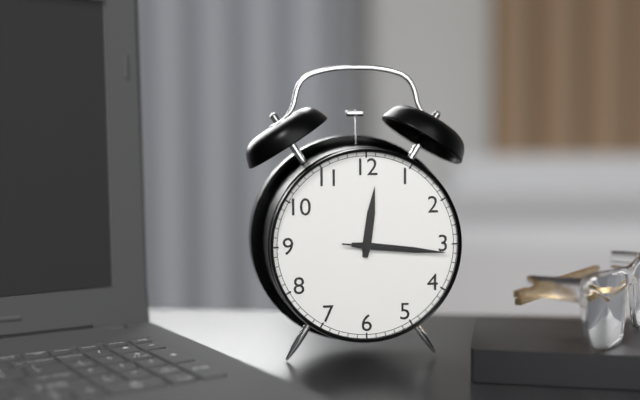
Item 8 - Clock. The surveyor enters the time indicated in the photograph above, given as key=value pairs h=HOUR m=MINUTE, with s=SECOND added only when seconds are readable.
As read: h=12 m=16 s=16
